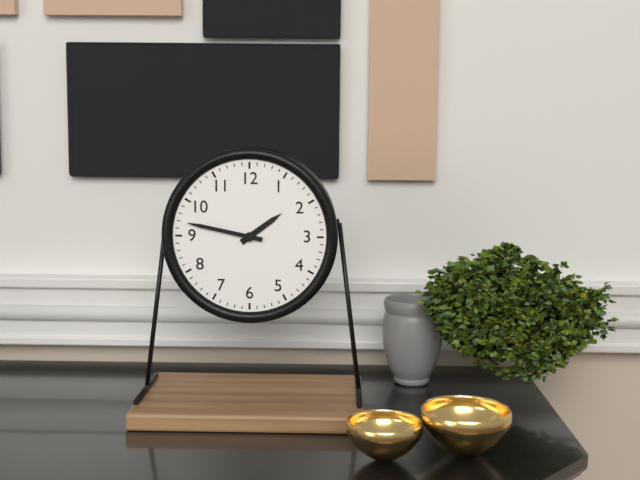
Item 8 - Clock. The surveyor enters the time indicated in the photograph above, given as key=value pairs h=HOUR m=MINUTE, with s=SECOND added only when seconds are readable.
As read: h=1 m=47
